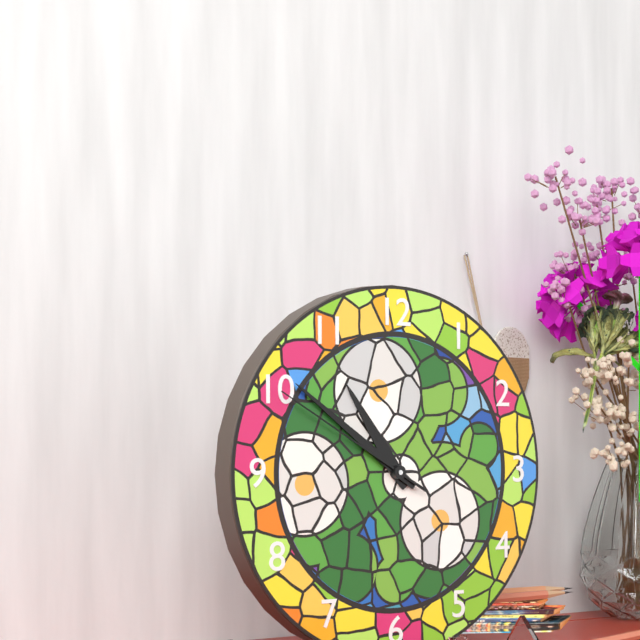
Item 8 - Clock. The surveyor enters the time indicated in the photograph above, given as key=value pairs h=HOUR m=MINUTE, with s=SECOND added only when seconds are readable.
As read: h=10 m=51 s=50
